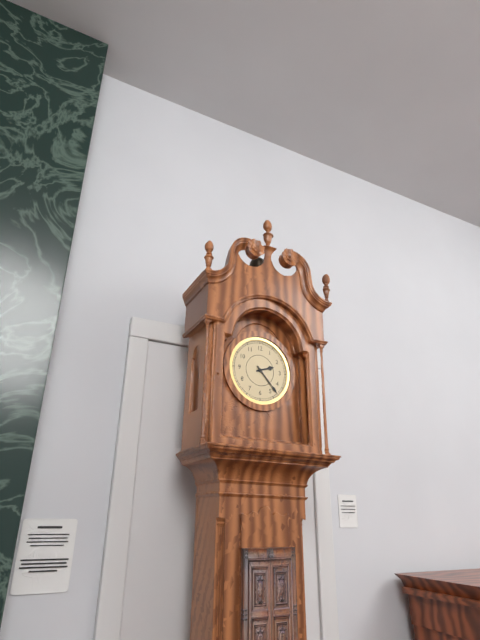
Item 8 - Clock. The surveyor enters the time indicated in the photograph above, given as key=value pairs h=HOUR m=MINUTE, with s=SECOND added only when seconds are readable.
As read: h=2 m=23
